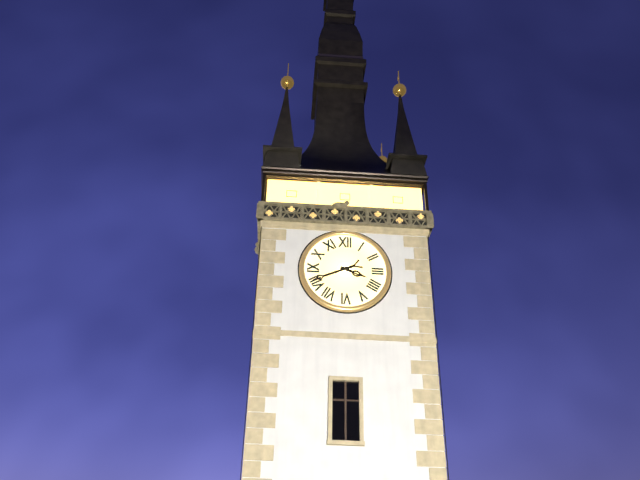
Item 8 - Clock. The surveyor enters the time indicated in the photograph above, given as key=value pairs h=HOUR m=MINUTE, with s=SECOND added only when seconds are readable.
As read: h=3 m=41
